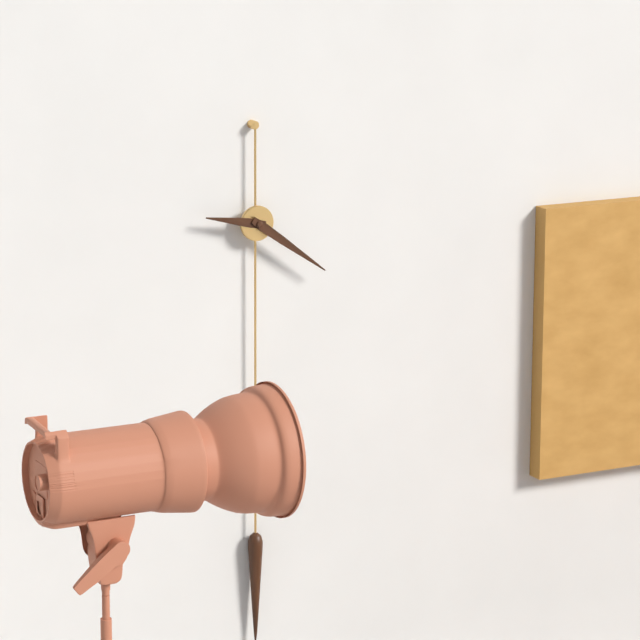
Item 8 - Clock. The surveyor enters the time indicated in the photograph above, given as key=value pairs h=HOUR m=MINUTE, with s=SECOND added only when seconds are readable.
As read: h=9 m=21
